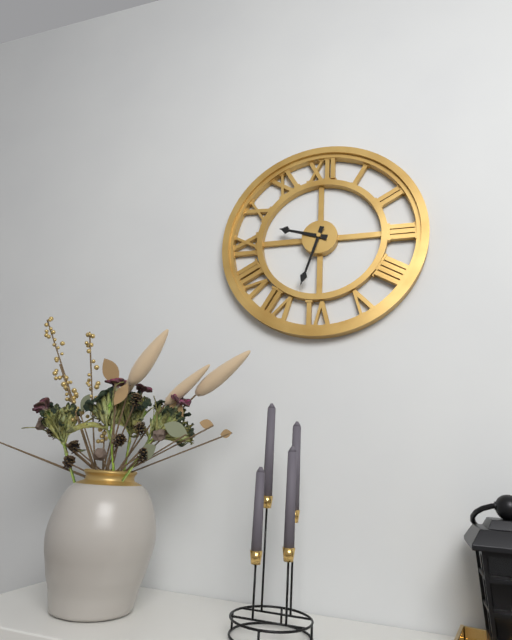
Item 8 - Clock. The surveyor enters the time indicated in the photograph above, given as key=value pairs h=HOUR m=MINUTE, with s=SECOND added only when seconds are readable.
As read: h=9 m=33
